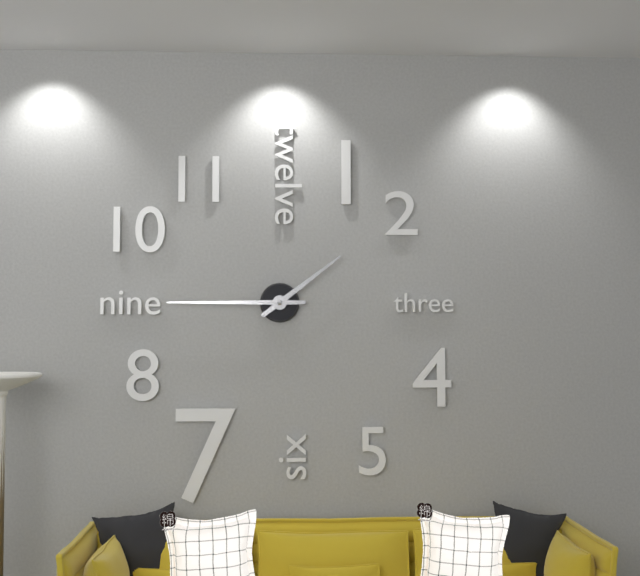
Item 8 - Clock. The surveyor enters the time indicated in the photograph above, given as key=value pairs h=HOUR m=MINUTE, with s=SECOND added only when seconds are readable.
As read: h=1 m=45
